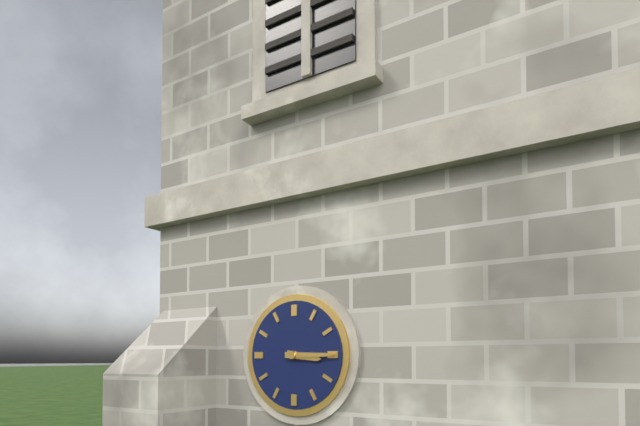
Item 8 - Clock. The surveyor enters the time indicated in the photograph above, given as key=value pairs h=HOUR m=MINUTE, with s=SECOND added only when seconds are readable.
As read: h=3 m=15
